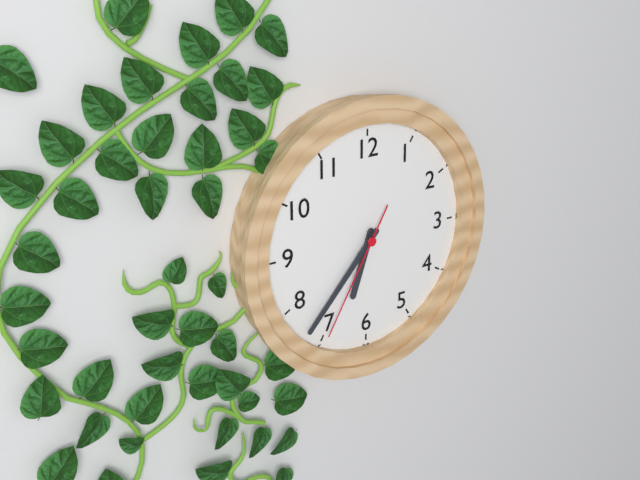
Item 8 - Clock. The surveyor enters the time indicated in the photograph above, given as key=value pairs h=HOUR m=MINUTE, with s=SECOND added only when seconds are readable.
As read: h=6 m=37 s=35
